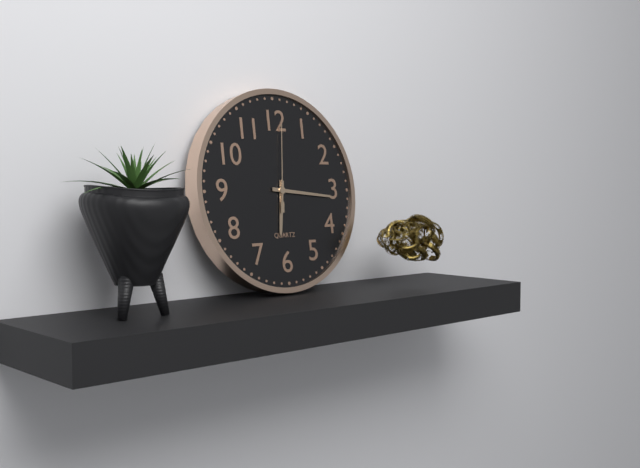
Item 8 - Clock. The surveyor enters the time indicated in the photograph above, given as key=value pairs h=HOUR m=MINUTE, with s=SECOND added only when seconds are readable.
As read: h=6 m=16 s=1
